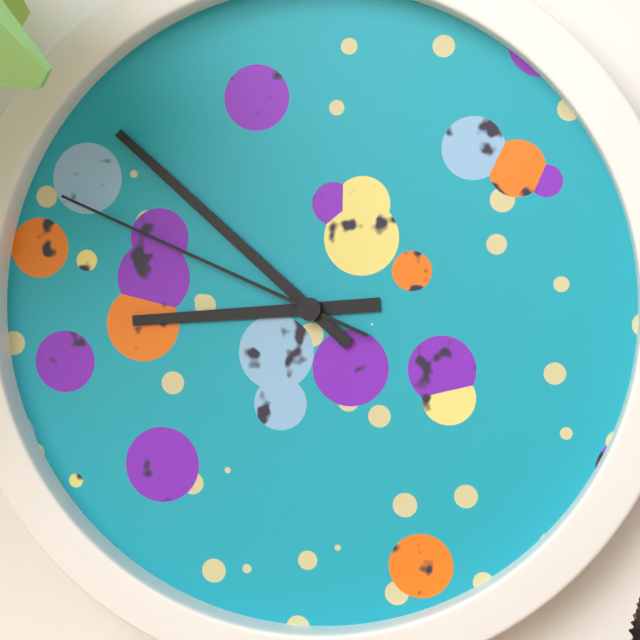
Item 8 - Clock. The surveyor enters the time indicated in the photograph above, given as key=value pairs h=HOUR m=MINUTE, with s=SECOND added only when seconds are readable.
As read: h=8 m=52 s=49
